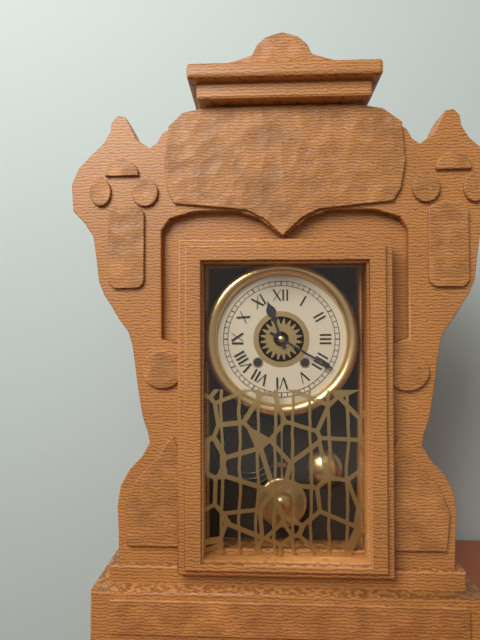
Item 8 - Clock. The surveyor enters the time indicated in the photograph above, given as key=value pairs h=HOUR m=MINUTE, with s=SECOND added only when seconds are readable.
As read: h=11 m=20
